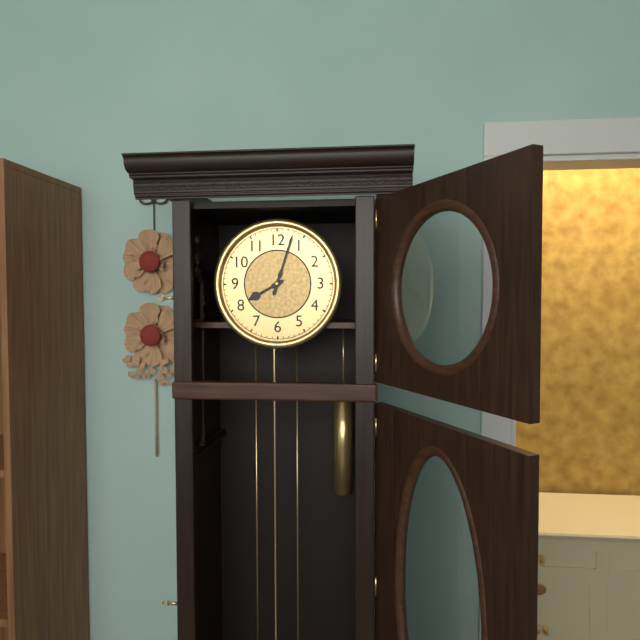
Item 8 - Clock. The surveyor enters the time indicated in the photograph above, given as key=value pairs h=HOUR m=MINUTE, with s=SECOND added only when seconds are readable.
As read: h=8 m=3
